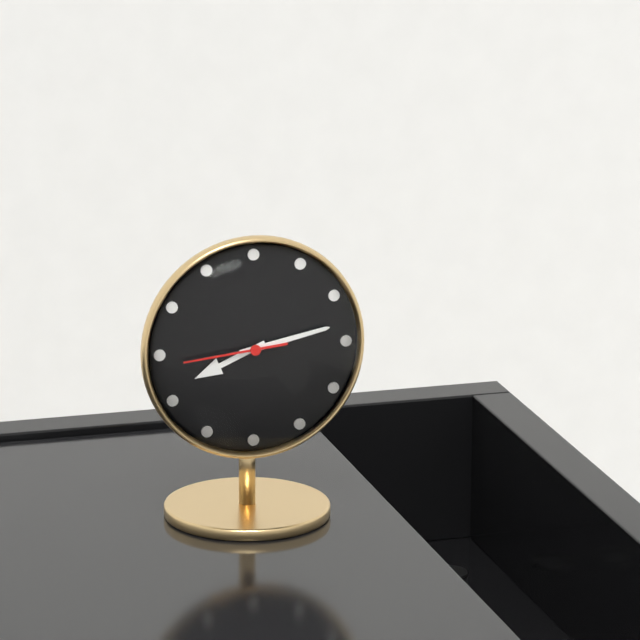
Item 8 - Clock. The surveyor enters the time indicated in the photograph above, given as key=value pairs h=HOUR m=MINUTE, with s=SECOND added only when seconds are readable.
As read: h=8 m=13 s=44
